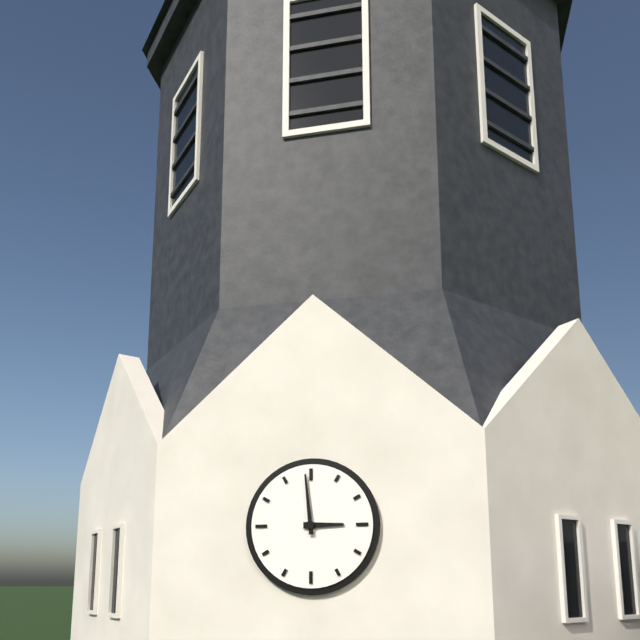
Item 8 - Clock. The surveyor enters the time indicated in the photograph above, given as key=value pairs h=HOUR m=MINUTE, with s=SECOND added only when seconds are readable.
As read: h=2 m=59
